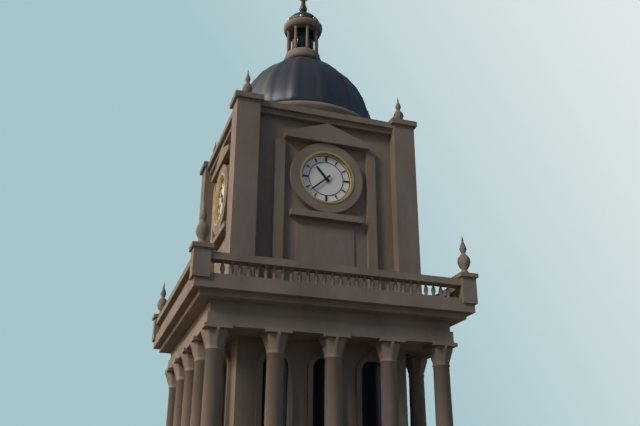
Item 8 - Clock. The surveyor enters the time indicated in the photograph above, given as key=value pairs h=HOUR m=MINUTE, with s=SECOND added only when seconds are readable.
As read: h=10 m=38
